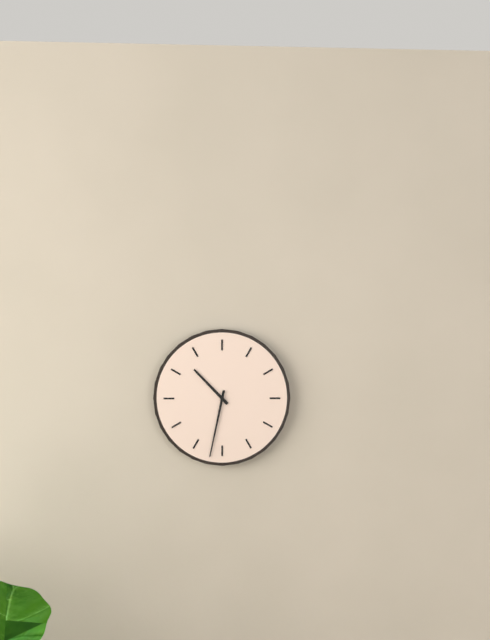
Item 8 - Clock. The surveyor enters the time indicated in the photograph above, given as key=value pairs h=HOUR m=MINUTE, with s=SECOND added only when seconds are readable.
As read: h=10 m=32
